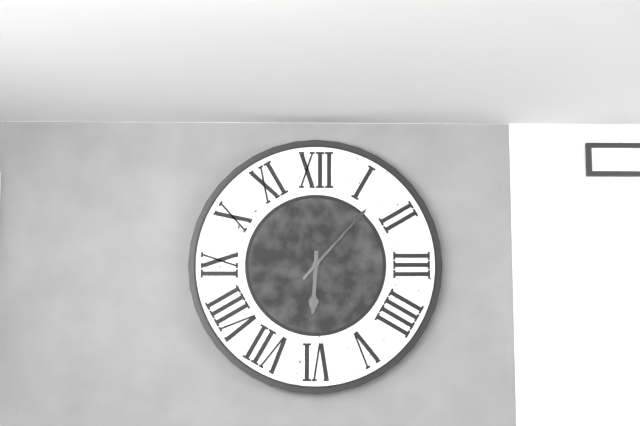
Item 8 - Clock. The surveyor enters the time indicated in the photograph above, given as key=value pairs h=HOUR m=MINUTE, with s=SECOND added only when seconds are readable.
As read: h=6 m=7
